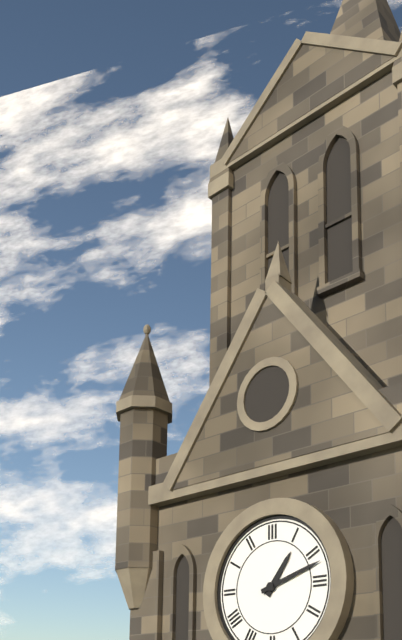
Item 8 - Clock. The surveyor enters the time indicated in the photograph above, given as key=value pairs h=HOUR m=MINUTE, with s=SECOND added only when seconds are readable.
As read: h=1 m=12
